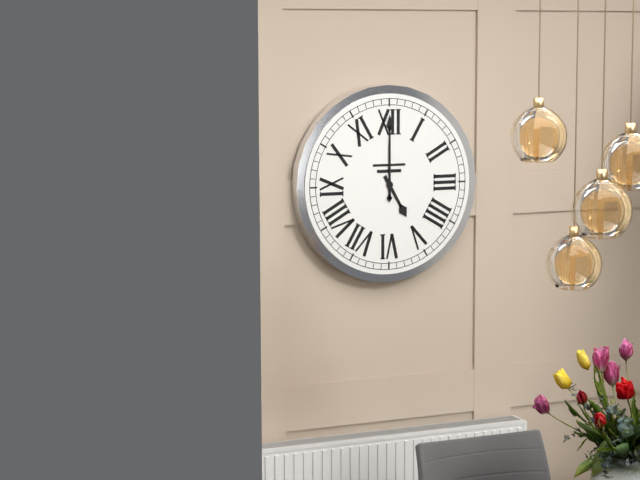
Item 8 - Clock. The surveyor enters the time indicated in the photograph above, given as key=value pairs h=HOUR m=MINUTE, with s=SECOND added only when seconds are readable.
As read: h=5 m=0
